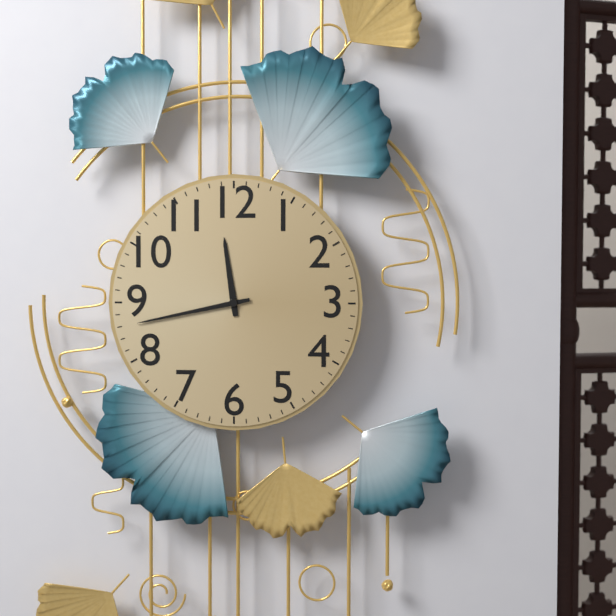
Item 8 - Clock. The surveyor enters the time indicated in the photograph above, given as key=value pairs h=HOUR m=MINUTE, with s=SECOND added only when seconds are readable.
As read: h=11 m=43
